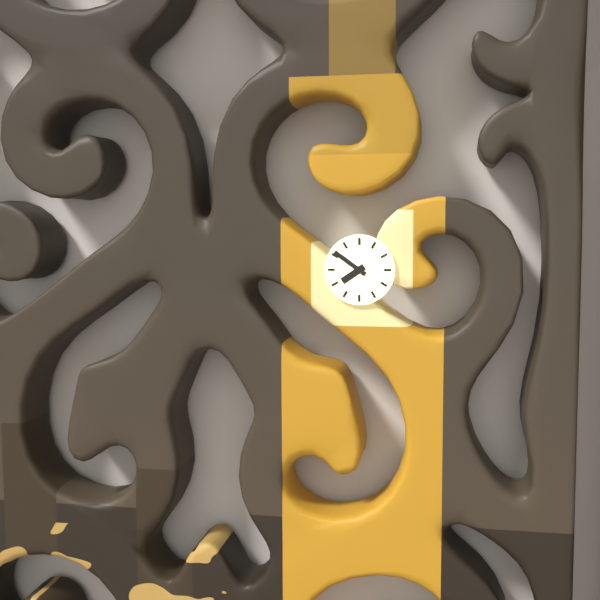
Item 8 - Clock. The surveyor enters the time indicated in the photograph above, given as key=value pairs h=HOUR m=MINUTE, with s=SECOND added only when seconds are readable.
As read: h=7 m=51
